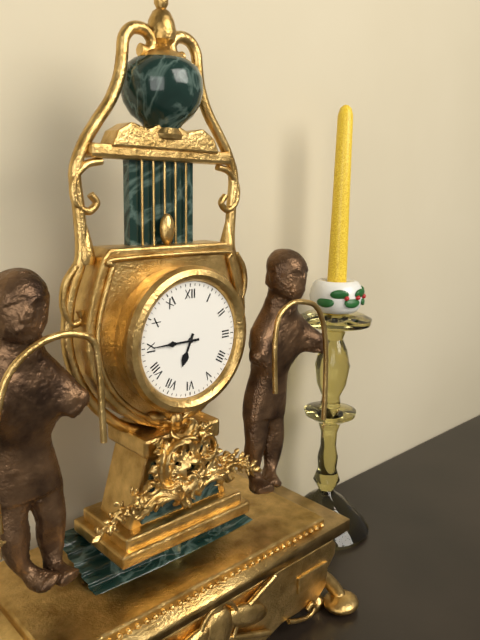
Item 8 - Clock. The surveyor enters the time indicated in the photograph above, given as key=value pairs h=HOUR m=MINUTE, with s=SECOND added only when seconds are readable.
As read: h=6 m=45
